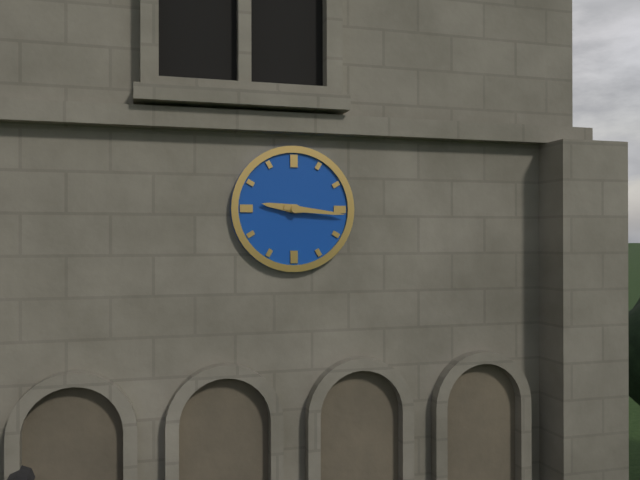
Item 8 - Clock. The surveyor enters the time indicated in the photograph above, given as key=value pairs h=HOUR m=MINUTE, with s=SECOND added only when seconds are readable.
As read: h=9 m=16
